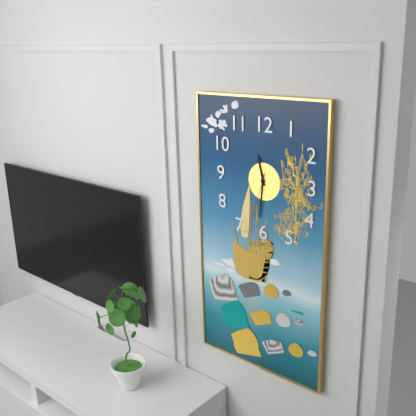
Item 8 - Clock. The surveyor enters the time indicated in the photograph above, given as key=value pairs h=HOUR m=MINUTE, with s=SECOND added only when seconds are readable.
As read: h=11 m=31 s=33
